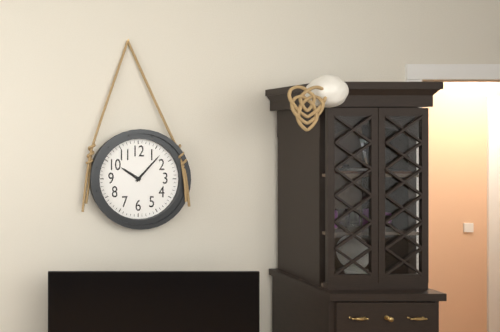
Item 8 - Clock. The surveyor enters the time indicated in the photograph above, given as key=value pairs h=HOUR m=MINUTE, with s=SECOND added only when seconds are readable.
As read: h=10 m=7
